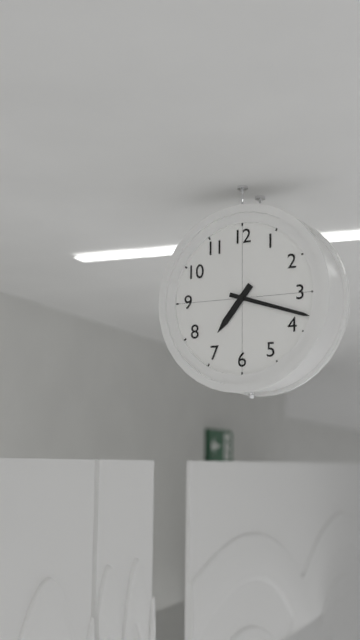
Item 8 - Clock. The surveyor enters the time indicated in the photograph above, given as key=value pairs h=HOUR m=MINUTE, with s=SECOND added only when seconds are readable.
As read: h=7 m=18
